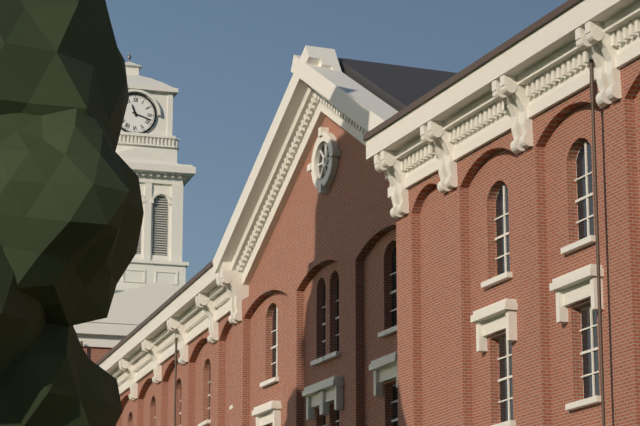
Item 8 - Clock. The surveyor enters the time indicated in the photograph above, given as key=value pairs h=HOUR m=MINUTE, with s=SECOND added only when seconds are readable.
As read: h=11 m=18
